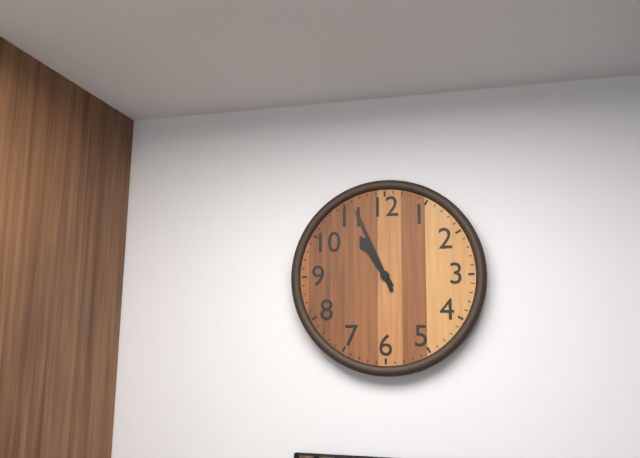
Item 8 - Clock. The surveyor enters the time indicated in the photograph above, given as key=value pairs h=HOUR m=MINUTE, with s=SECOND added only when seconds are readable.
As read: h=10 m=56
